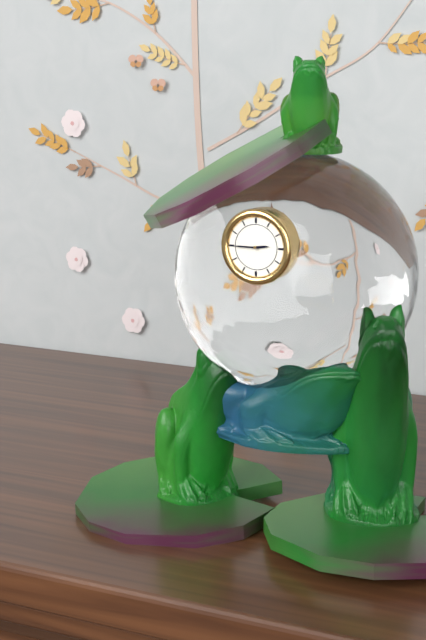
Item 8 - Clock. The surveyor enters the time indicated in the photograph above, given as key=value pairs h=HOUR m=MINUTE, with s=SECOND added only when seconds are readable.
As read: h=2 m=45
